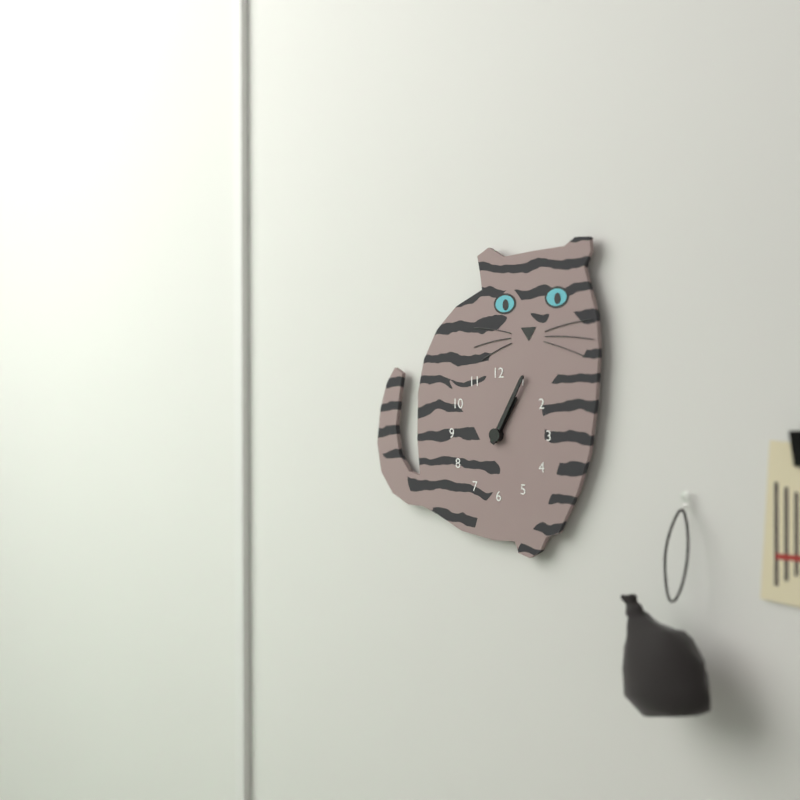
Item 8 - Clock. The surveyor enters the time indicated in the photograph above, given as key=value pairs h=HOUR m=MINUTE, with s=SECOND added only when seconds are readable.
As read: h=1 m=5
